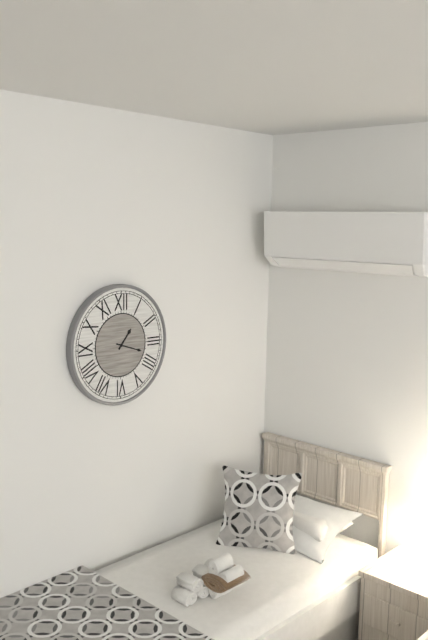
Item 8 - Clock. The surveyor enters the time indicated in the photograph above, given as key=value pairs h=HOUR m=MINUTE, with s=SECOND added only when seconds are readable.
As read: h=1 m=18
